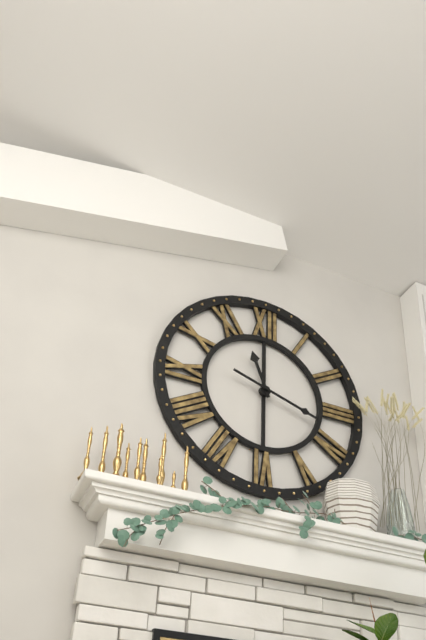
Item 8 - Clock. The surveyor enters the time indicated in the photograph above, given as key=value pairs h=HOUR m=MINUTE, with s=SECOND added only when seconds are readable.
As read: h=11 m=18
